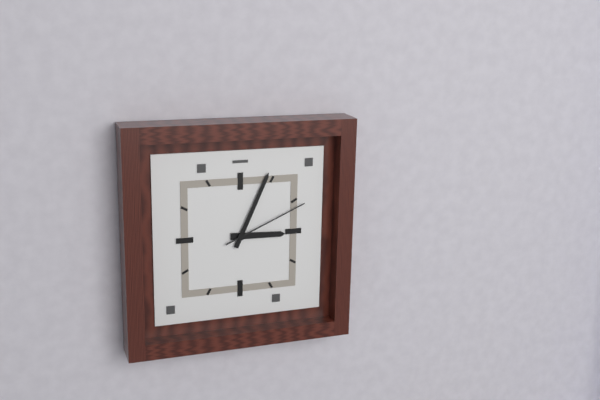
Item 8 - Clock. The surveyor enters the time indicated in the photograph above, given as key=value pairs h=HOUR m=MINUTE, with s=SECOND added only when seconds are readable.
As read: h=3 m=4 s=11
